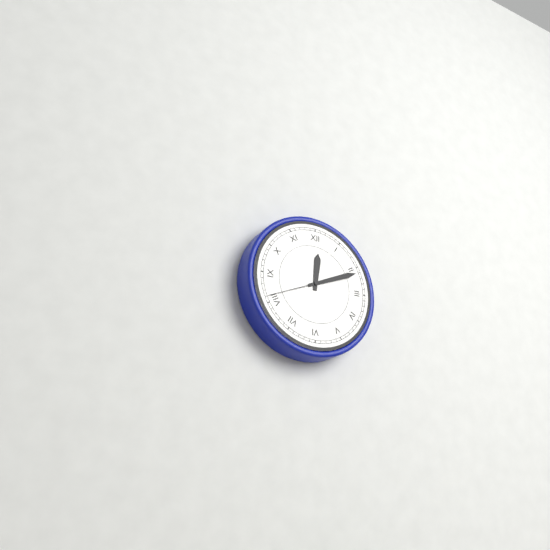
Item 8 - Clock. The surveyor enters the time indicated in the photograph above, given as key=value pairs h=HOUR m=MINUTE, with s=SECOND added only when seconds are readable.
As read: h=12 m=11 s=41
